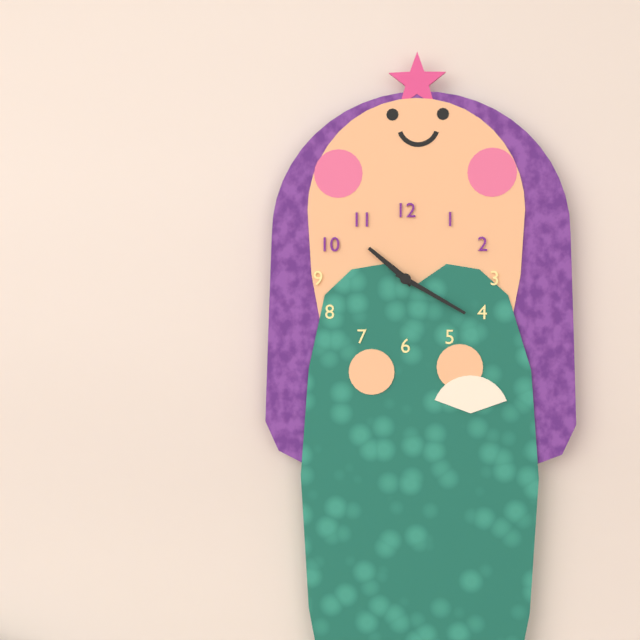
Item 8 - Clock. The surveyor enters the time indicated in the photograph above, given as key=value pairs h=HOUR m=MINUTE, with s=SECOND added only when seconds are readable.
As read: h=10 m=20
